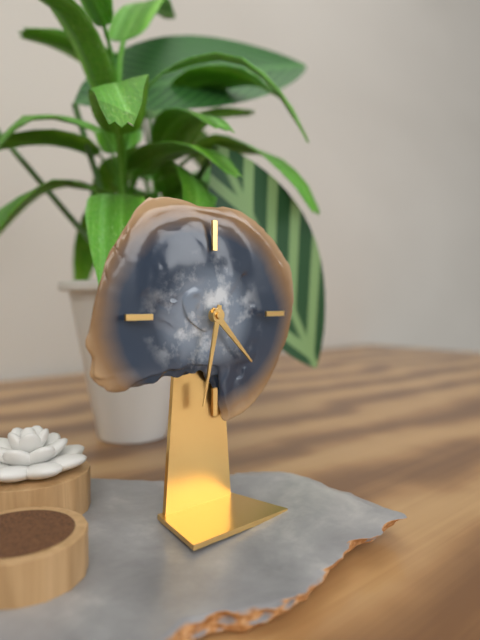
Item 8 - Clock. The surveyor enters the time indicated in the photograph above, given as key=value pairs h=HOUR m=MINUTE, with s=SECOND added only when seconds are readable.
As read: h=4 m=32
